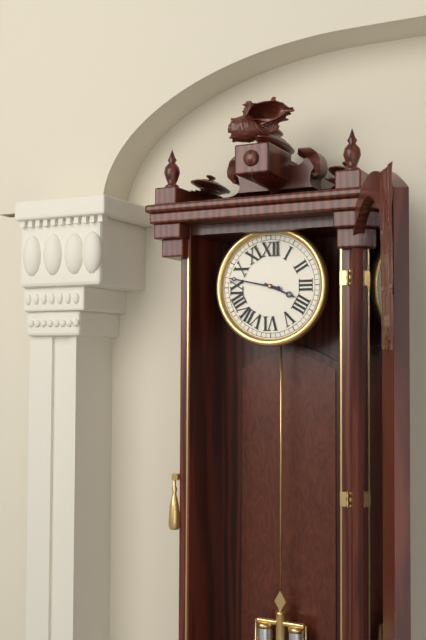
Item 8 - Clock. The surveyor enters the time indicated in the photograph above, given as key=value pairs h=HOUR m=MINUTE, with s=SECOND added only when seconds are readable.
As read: h=3 m=47
